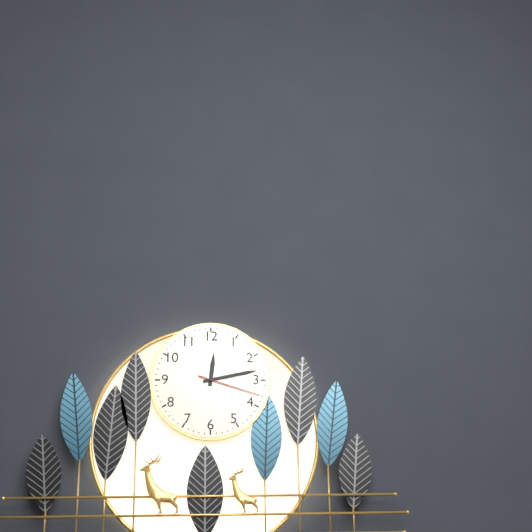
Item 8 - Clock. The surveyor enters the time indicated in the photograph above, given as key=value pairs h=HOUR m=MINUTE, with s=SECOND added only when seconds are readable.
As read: h=12 m=13 s=18
